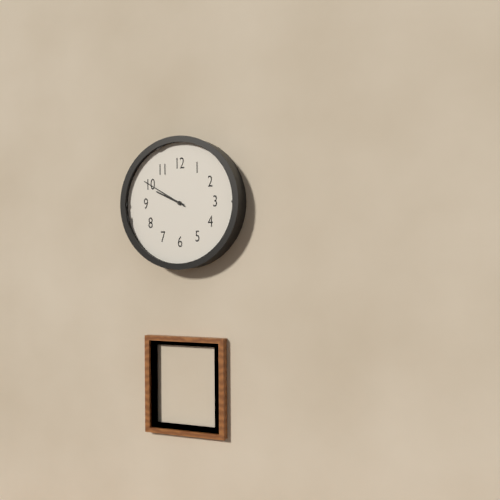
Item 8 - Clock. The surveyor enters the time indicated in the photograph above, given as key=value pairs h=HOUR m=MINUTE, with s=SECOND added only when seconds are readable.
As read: h=9 m=50
